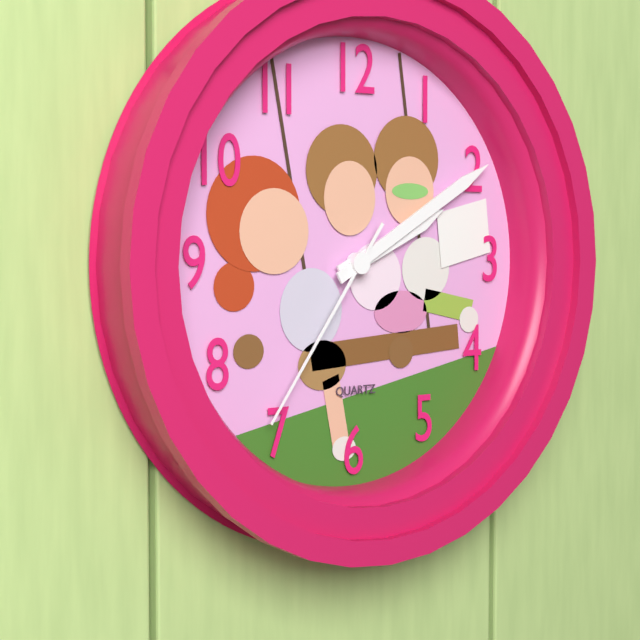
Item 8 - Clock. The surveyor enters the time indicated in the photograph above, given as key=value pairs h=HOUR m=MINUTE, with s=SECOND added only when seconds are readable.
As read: h=2 m=10 s=36
